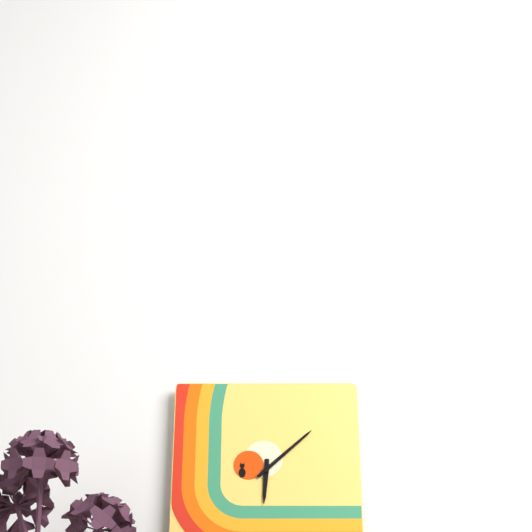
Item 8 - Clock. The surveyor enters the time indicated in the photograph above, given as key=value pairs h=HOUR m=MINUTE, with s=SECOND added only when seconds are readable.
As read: h=6 m=8
